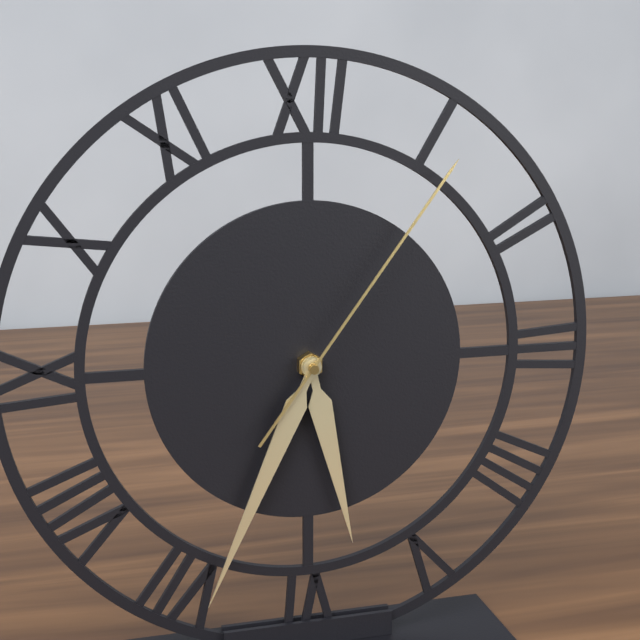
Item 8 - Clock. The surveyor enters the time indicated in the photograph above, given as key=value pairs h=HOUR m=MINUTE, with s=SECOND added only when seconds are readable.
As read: h=5 m=34 s=6
